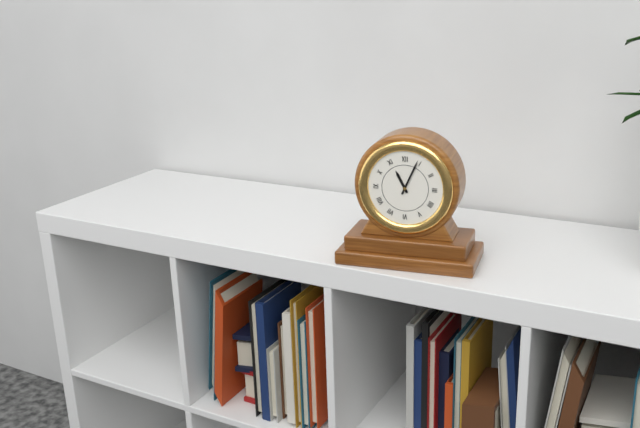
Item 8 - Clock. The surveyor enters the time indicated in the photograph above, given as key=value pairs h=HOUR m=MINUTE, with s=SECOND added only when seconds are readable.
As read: h=11 m=4
